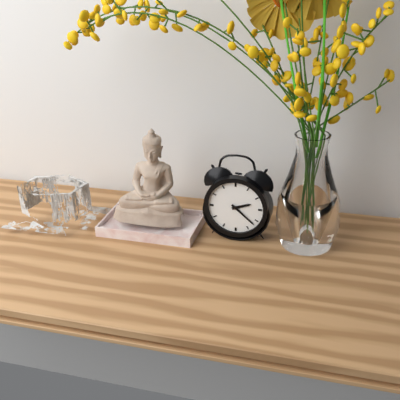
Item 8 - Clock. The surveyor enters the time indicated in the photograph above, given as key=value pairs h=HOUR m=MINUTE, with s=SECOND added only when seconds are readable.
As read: h=2 m=22
